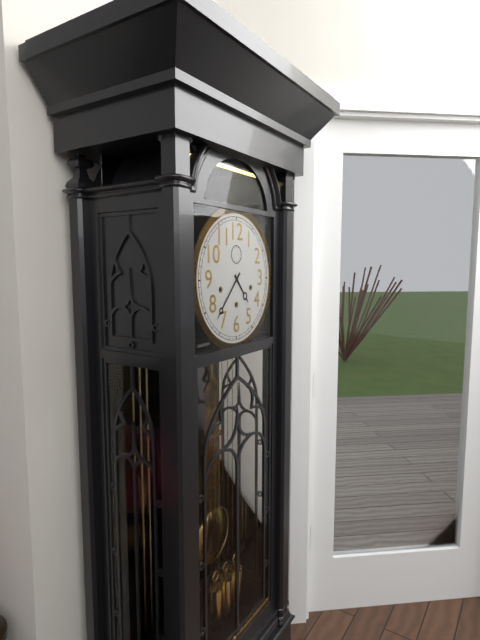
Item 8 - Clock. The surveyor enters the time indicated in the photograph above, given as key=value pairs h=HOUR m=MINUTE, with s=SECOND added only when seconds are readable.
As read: h=4 m=37
